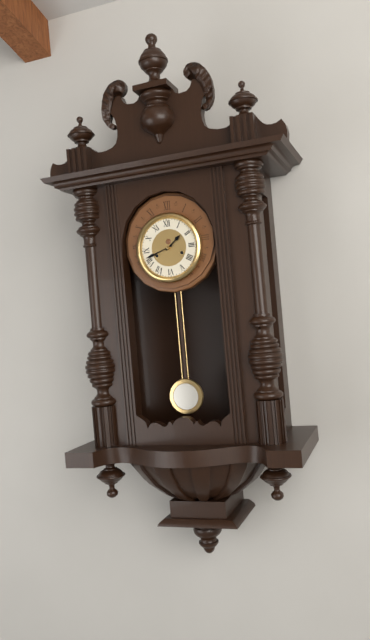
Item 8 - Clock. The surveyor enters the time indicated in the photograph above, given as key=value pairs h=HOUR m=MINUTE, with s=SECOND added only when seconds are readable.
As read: h=1 m=42
